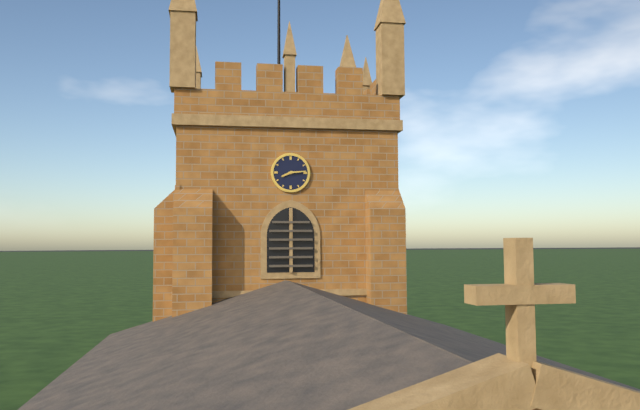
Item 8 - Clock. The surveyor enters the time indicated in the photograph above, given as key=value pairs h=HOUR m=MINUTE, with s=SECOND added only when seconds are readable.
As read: h=8 m=14
